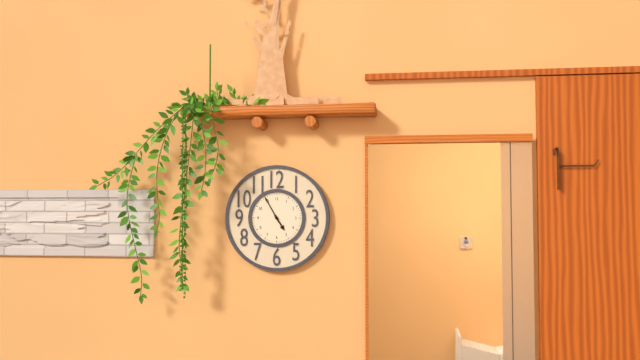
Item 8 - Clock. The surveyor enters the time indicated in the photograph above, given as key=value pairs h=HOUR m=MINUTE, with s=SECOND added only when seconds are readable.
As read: h=4 m=55
